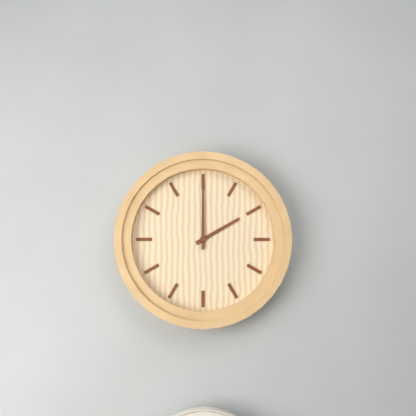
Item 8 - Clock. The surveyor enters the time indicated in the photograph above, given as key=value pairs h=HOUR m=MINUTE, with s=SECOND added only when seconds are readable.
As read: h=2 m=0
